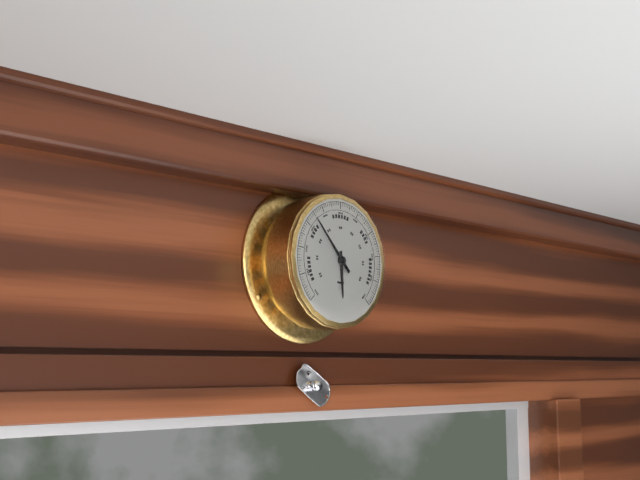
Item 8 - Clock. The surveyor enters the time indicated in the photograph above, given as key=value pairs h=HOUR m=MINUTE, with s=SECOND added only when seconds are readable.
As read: h=5 m=53
